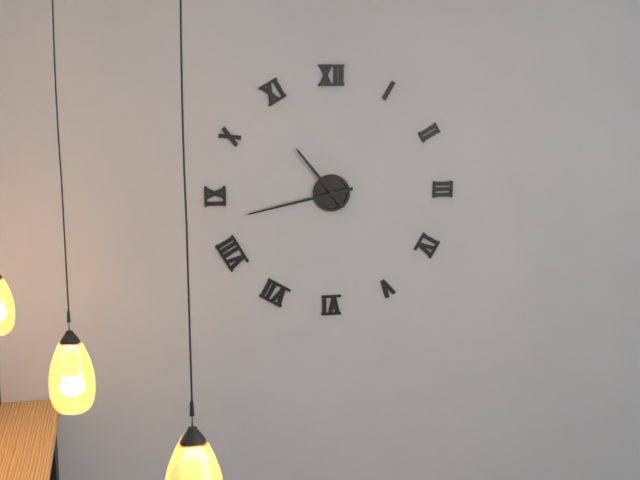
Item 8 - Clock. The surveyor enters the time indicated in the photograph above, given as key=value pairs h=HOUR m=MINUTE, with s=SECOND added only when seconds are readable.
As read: h=10 m=43
